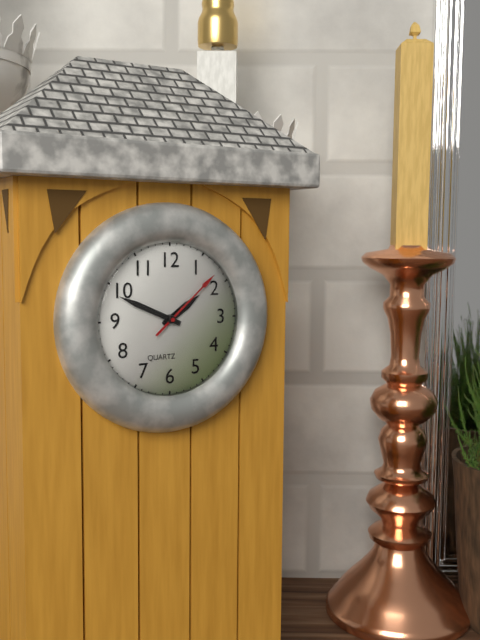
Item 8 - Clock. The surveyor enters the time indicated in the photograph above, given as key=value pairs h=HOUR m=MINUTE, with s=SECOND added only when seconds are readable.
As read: h=1 m=49 s=8
